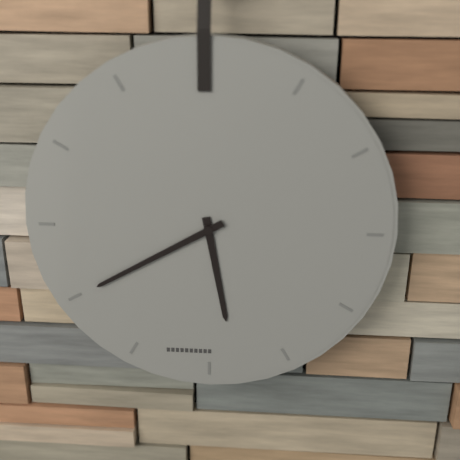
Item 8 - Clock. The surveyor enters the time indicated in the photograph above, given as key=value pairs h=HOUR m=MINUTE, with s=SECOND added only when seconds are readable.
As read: h=5 m=40
